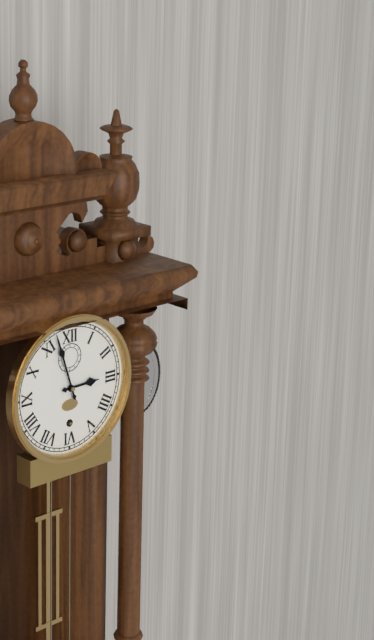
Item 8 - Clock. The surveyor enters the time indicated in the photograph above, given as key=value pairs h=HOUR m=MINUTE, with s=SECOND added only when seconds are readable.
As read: h=2 m=57
